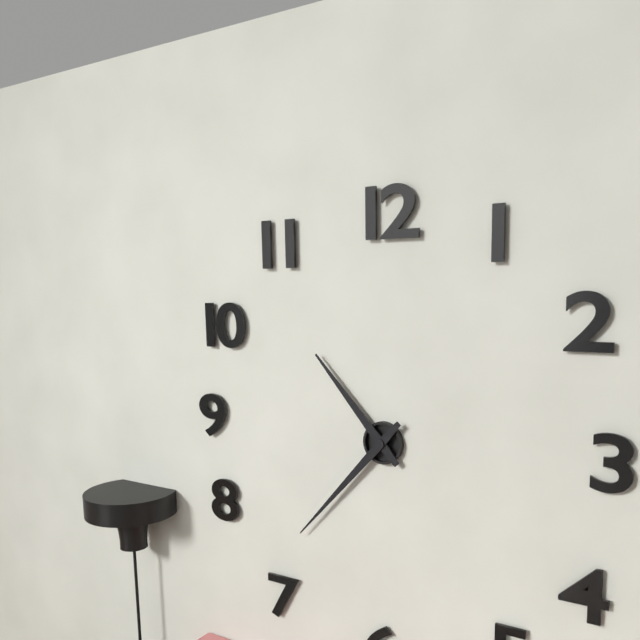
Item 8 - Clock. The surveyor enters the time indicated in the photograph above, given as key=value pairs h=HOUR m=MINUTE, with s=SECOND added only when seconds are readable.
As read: h=10 m=37
